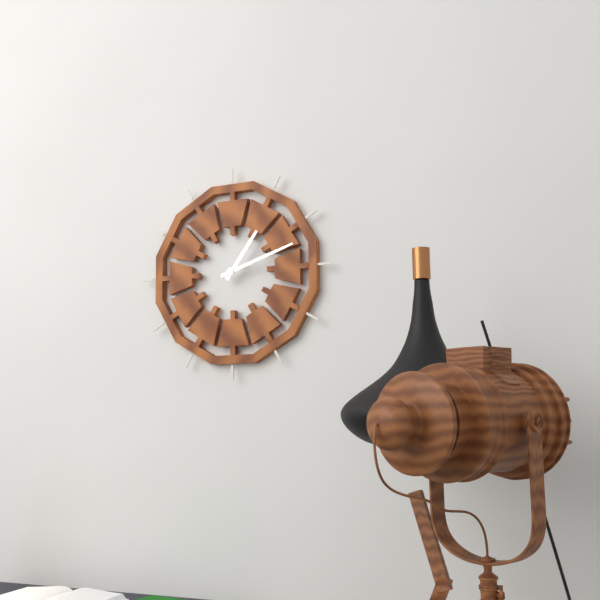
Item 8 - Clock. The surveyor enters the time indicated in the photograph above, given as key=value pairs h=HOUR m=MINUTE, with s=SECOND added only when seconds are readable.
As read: h=1 m=12
